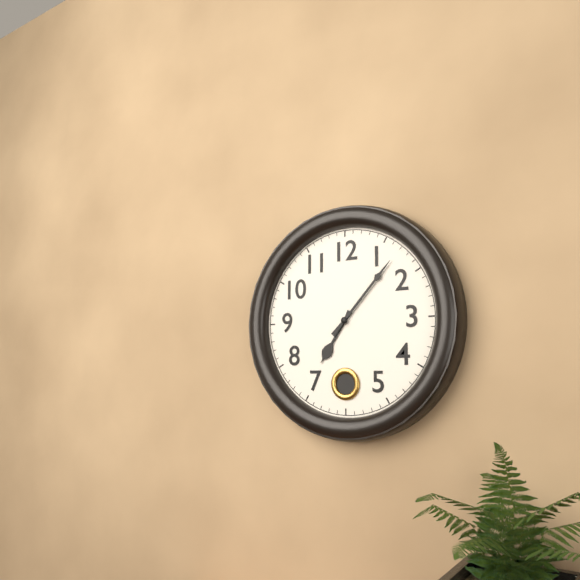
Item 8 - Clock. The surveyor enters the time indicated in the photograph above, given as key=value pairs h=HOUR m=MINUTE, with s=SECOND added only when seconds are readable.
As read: h=7 m=7
